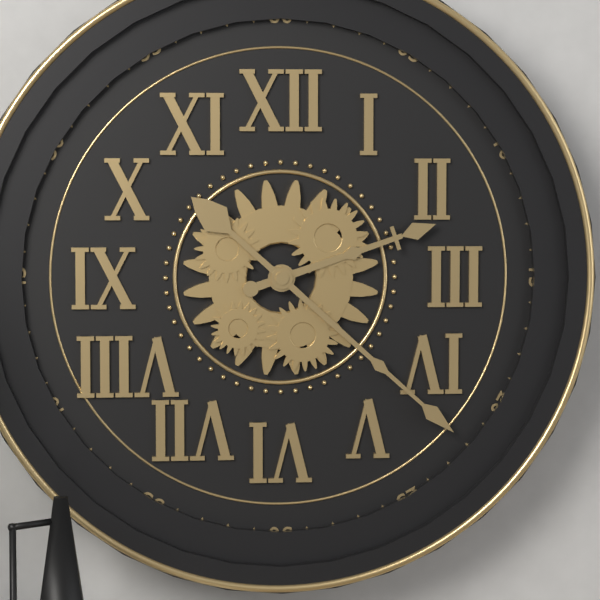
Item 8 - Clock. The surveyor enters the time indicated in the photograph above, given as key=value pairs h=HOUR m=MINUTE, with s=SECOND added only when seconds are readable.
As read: h=2 m=22
